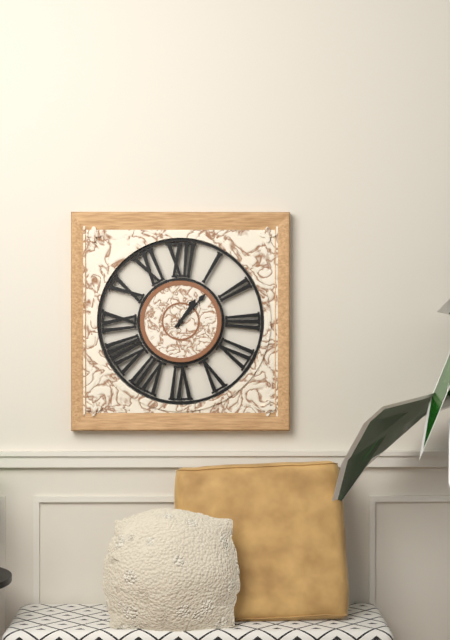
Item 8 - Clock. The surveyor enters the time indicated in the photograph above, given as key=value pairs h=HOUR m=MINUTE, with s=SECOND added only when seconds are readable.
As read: h=1 m=7
